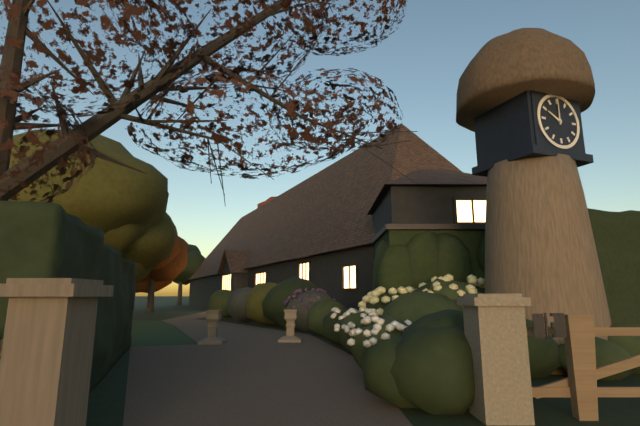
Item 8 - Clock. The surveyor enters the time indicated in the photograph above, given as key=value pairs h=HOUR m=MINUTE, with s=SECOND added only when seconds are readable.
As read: h=10 m=0
